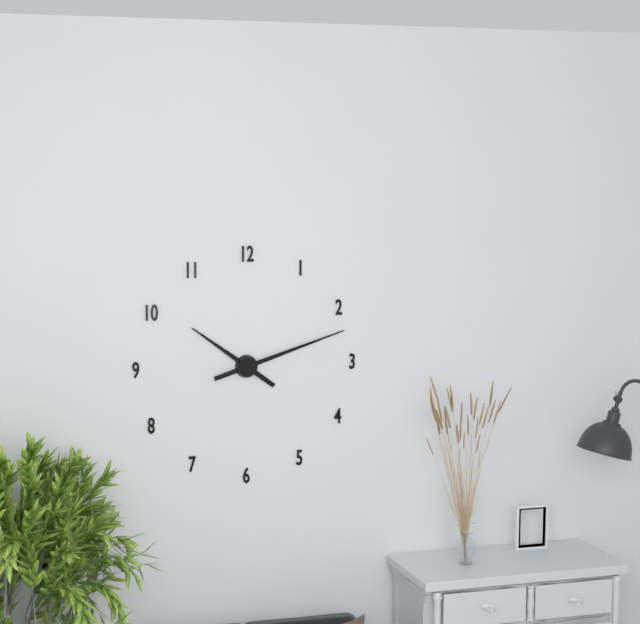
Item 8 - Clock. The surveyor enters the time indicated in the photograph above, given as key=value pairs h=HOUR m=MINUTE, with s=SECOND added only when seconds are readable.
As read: h=10 m=12
